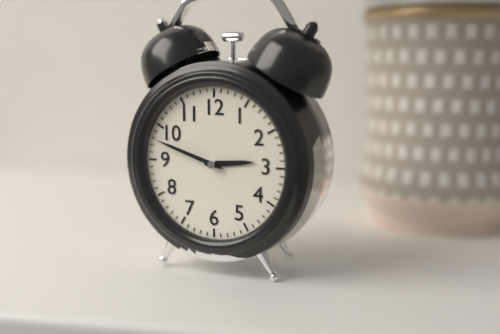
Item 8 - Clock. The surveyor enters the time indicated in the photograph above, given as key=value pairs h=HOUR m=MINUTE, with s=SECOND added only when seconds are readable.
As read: h=2 m=48
